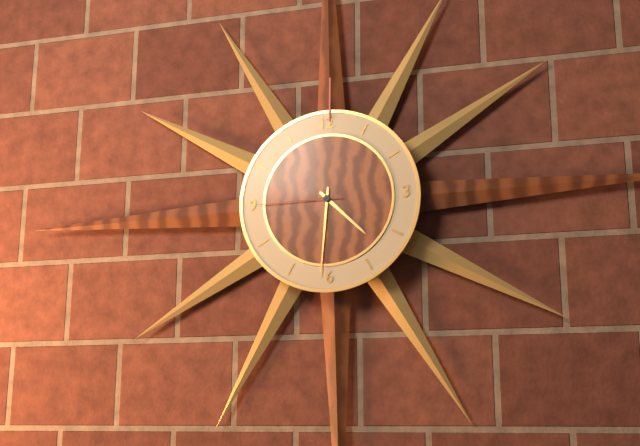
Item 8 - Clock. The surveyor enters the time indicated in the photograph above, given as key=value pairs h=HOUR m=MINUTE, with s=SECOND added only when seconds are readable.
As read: h=4 m=31 s=45
